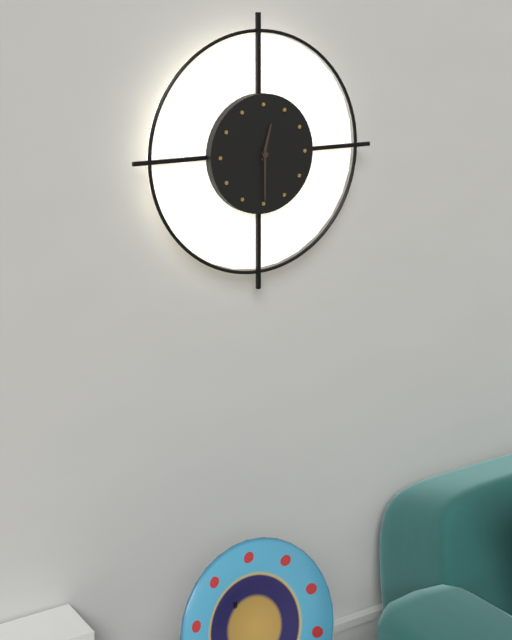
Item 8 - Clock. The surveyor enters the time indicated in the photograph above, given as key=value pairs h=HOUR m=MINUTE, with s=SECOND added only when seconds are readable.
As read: h=12 m=30
